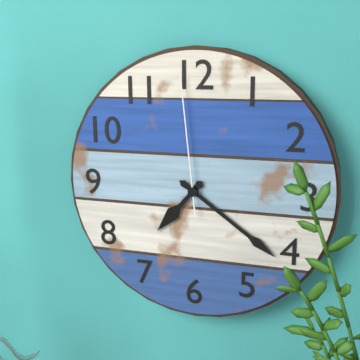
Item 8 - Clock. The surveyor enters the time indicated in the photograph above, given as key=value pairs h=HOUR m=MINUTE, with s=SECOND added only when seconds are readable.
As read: h=7 m=21 s=59
